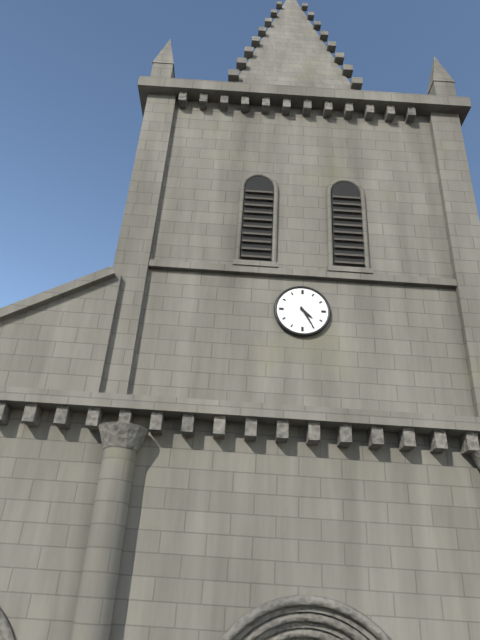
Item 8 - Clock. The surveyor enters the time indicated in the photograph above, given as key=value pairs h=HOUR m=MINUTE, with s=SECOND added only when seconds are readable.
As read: h=4 m=25
